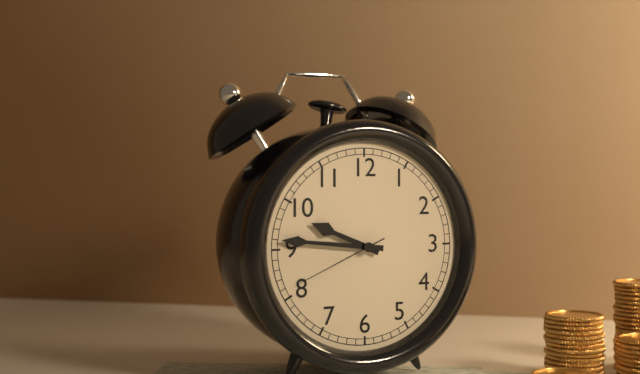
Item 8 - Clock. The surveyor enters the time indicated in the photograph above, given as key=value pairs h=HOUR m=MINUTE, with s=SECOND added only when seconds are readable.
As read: h=9 m=46 s=41
